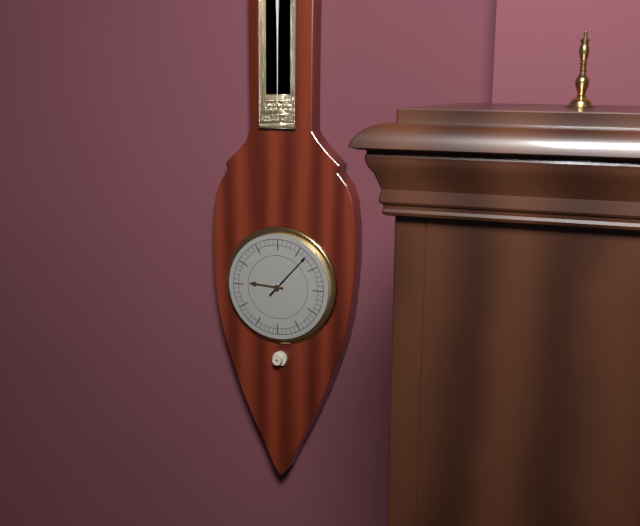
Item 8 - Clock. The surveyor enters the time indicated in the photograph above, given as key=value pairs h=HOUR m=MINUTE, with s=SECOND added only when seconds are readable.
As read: h=9 m=7
